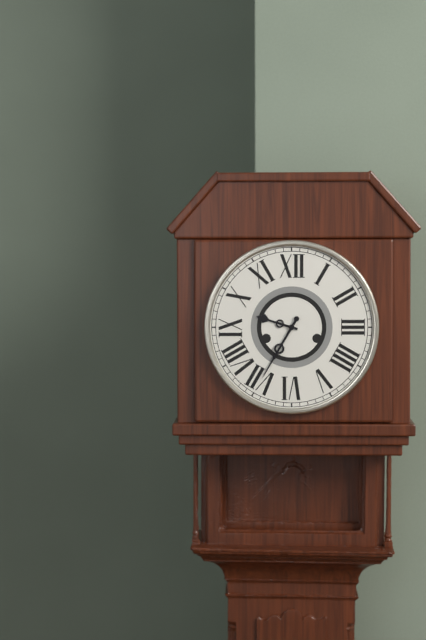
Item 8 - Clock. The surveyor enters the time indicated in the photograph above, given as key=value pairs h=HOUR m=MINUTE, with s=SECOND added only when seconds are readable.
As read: h=9 m=35
